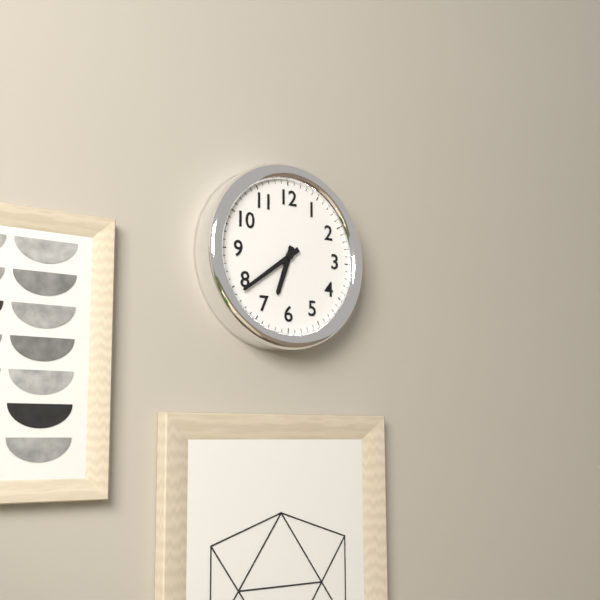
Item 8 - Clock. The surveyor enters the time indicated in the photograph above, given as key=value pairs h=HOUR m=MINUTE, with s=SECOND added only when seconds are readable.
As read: h=6 m=39
